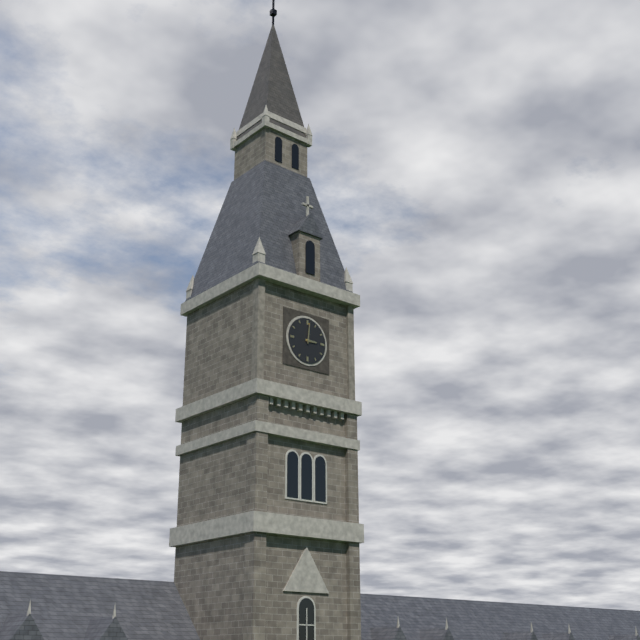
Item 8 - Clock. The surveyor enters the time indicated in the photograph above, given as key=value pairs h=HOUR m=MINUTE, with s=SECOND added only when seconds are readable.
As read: h=3 m=1
